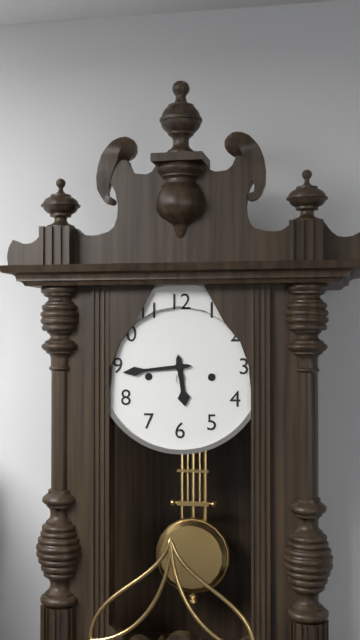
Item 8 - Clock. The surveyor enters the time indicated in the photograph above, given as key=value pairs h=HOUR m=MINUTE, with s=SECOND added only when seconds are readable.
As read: h=5 m=44
